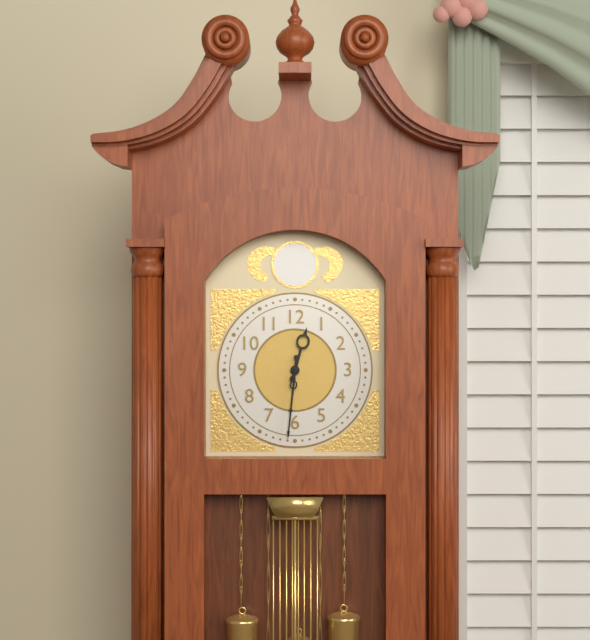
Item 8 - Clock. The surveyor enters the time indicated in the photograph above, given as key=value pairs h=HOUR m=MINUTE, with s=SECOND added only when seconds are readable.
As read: h=12 m=31
